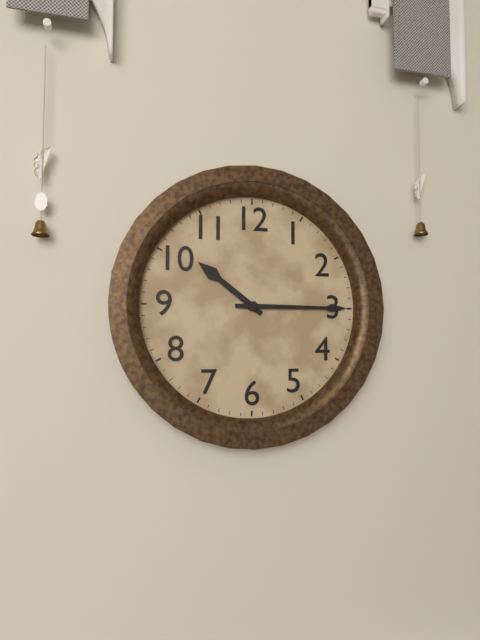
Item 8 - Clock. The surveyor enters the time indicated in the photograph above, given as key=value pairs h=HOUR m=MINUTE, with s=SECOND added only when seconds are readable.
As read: h=10 m=15
